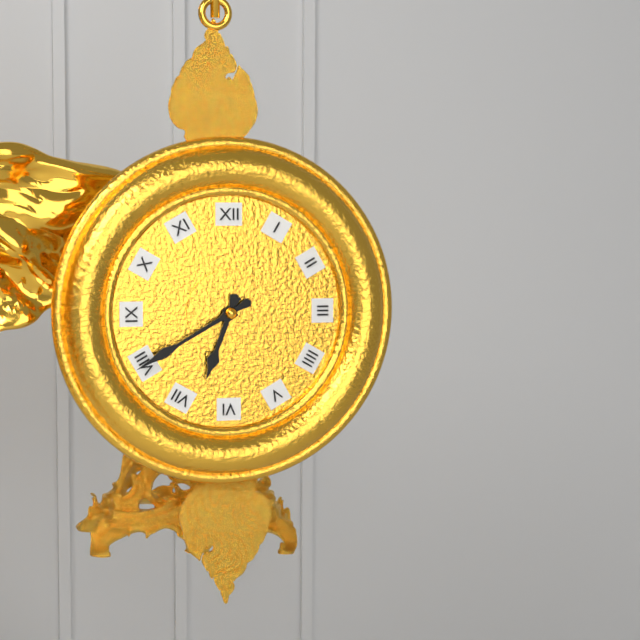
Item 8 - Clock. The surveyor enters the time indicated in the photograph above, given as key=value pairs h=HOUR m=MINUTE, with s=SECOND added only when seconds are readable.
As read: h=6 m=40
